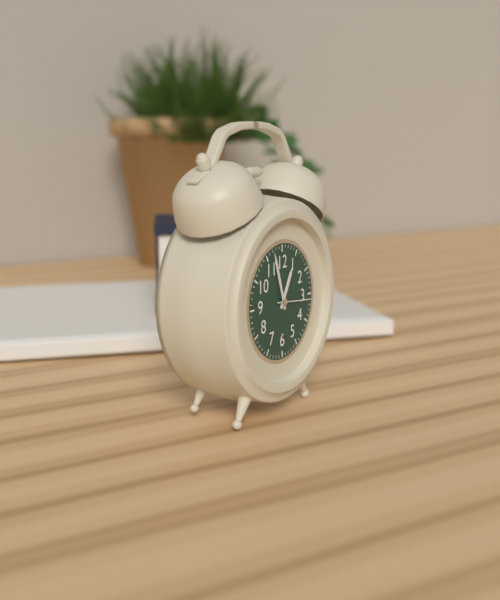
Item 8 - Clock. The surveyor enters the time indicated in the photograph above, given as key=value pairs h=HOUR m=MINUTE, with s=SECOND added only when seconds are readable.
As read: h=12 m=57
